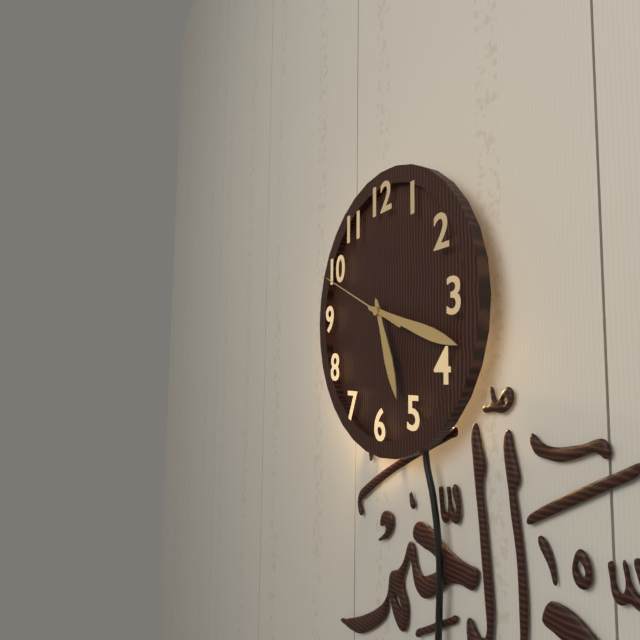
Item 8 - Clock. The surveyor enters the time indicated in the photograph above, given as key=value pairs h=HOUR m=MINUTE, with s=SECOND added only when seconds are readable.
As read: h=5 m=18 s=49
